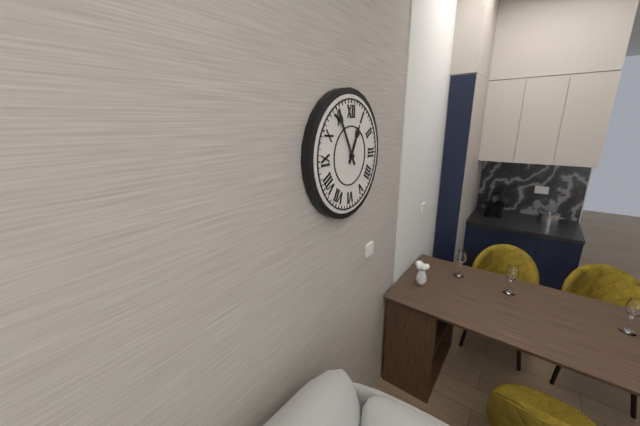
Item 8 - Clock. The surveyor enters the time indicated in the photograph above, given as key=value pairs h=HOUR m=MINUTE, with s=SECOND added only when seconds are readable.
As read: h=12 m=55
